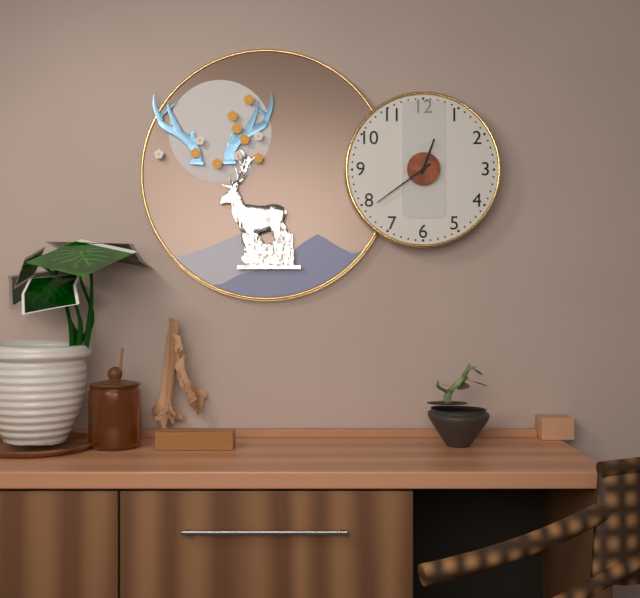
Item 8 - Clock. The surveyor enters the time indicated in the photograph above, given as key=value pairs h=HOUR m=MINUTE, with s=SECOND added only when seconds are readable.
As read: h=12 m=39
